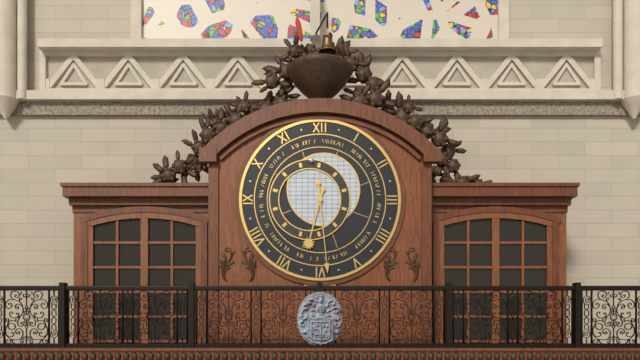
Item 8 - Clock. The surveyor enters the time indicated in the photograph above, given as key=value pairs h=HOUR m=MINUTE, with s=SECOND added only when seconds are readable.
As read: h=6 m=29
